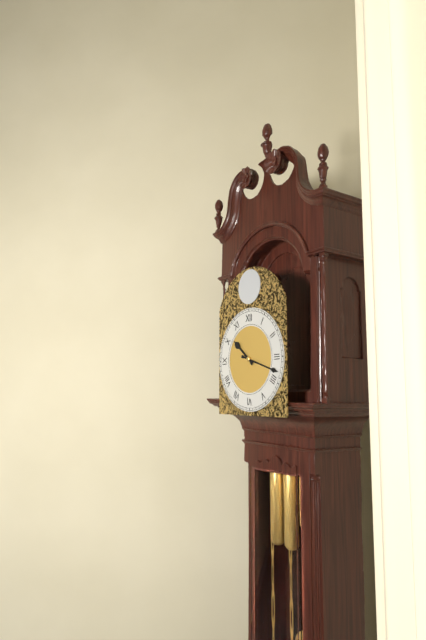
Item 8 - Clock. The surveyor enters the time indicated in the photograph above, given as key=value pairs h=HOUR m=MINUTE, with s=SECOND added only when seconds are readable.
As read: h=10 m=18
